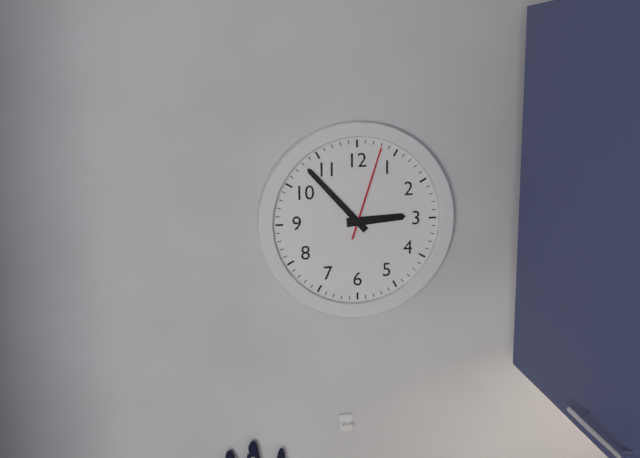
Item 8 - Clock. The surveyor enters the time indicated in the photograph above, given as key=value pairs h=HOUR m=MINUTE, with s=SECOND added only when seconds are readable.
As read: h=2 m=53 s=3
